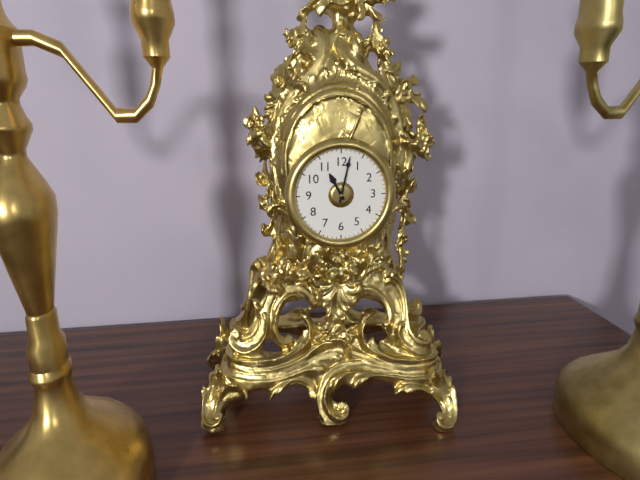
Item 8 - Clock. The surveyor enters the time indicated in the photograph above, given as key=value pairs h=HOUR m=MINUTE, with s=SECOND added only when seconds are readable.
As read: h=11 m=2
